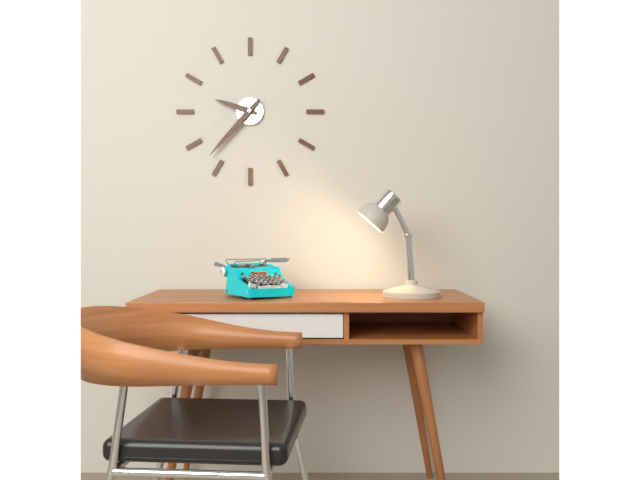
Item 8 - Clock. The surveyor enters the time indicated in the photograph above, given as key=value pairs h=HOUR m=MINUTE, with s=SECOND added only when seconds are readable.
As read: h=9 m=37
